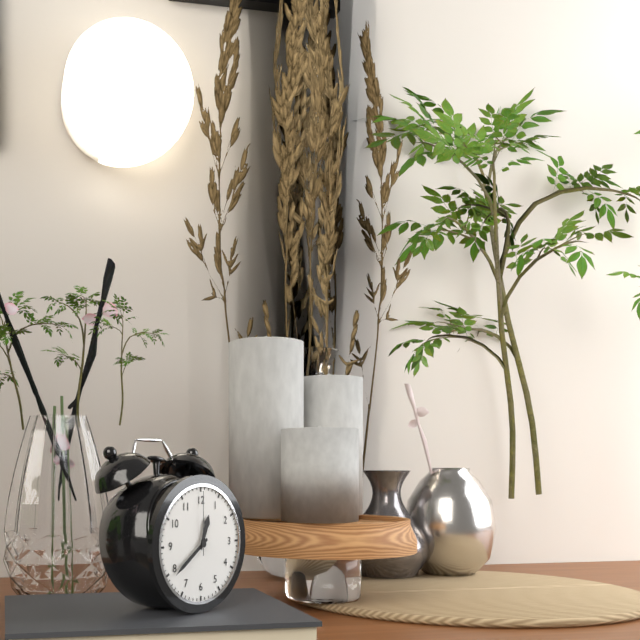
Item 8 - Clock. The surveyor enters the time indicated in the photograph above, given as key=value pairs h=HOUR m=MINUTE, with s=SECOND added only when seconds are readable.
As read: h=12 m=39 s=0
